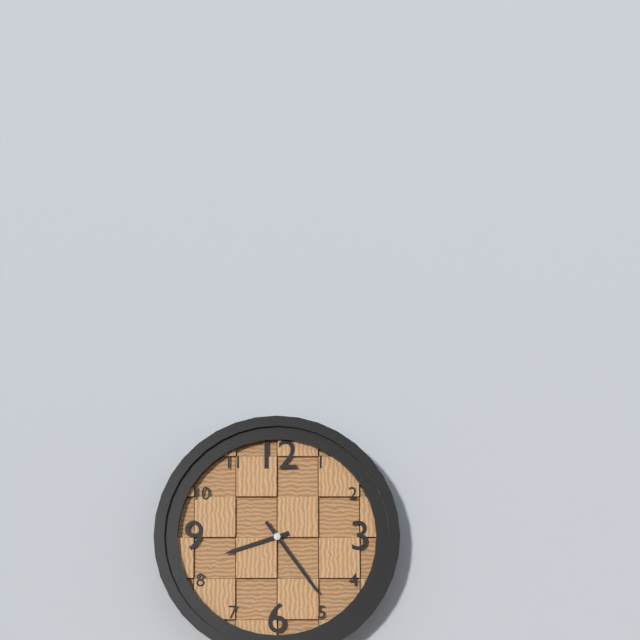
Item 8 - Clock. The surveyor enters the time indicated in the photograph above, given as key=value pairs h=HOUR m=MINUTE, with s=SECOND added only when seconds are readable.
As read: h=8 m=24
